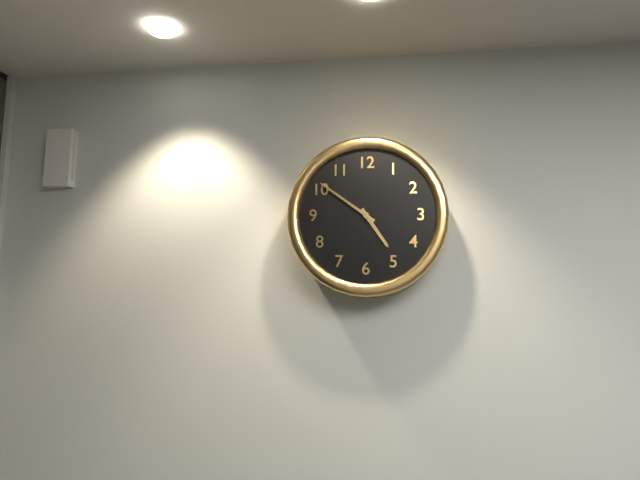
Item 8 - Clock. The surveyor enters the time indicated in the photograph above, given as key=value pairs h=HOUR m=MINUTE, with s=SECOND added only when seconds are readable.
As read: h=4 m=51
